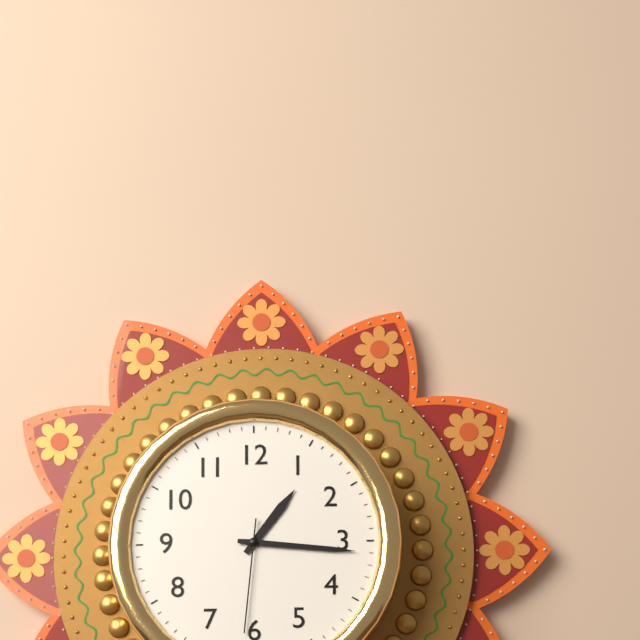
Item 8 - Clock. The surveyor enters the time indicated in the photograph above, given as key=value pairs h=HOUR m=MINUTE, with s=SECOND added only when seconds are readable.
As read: h=1 m=16 s=31
